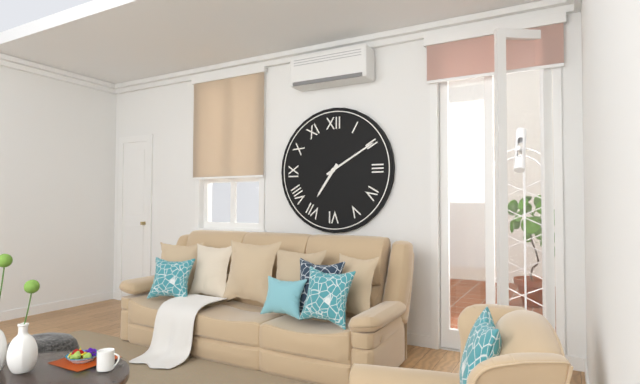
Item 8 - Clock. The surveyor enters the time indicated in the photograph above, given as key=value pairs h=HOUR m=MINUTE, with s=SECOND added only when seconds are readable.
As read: h=7 m=10
